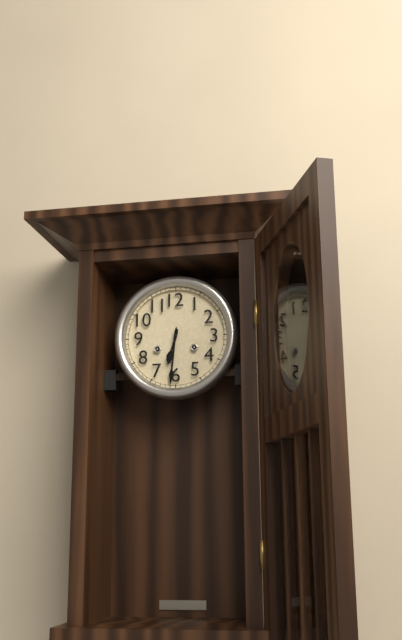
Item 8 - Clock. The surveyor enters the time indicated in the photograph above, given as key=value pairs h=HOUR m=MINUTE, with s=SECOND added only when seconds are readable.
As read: h=6 m=31
